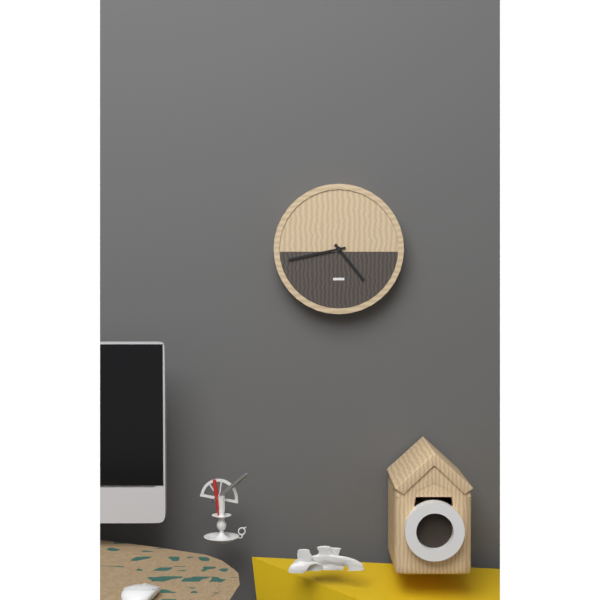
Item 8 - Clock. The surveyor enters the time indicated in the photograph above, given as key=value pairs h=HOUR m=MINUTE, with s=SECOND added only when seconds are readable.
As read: h=4 m=43
